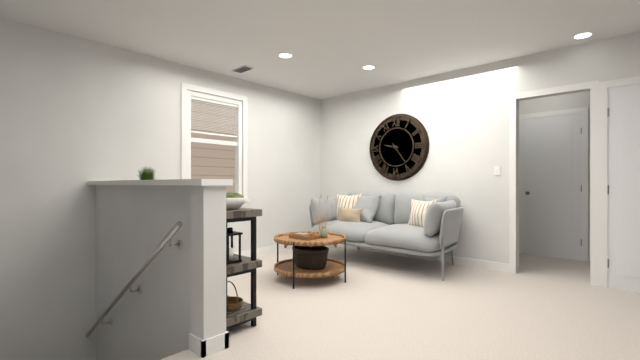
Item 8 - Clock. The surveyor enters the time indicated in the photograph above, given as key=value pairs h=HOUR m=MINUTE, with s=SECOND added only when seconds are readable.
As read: h=9 m=24
